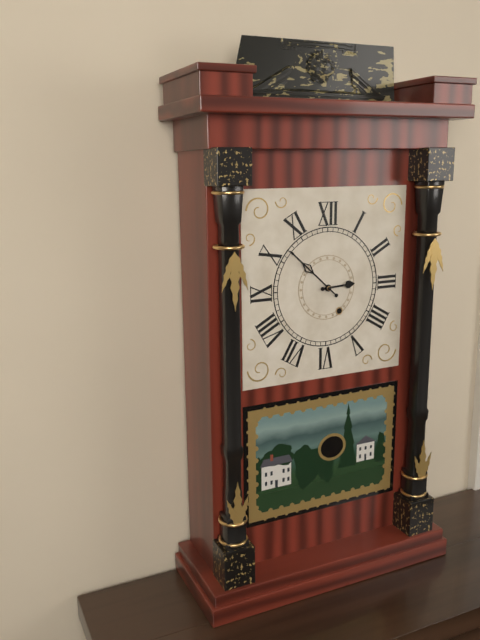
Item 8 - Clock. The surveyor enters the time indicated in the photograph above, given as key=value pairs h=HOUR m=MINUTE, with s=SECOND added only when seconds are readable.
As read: h=2 m=52
